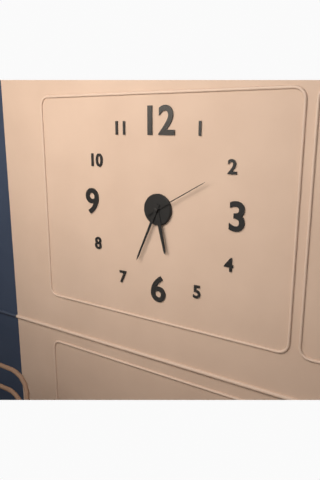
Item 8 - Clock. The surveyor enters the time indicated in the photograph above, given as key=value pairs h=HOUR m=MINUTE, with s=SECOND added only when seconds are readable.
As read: h=5 m=34 s=10
